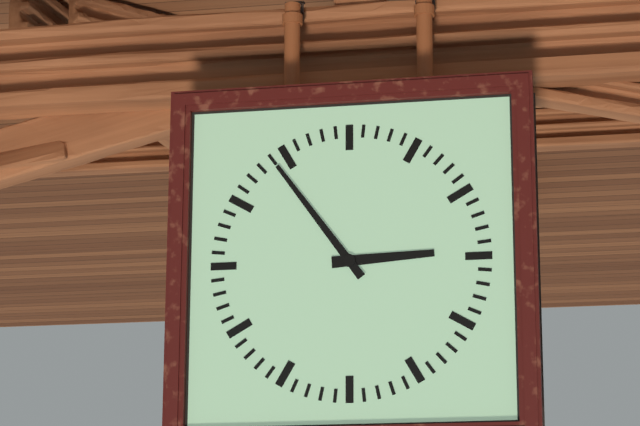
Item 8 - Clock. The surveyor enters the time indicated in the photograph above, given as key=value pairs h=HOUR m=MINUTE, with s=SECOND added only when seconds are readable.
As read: h=2 m=54
